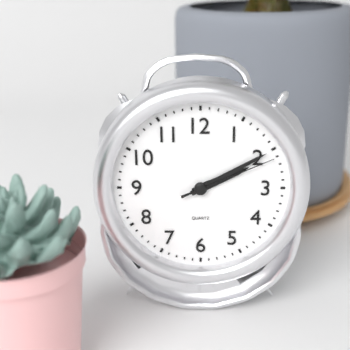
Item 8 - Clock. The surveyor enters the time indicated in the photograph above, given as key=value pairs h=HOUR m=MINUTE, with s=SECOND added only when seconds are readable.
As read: h=2 m=10 s=11
